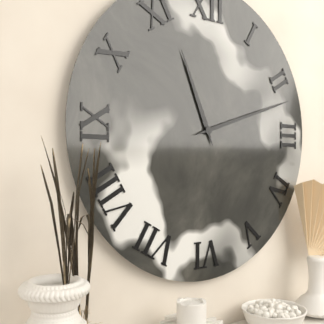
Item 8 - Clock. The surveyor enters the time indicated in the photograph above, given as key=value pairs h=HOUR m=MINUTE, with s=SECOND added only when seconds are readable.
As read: h=11 m=12
